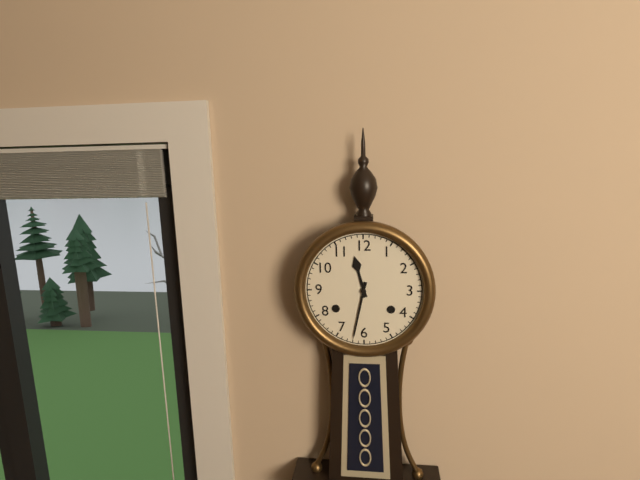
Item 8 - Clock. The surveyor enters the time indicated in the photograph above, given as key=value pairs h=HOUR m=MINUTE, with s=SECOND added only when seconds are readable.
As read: h=11 m=32
